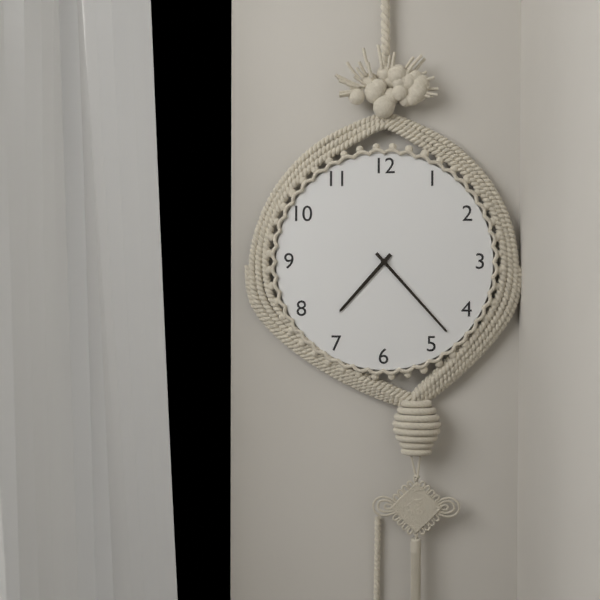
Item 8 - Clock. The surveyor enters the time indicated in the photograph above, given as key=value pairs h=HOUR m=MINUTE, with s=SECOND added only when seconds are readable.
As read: h=7 m=23
